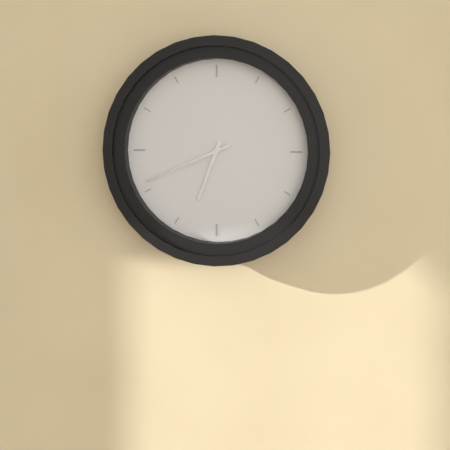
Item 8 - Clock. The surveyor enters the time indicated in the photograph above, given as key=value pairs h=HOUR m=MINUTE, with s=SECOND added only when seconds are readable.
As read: h=6 m=41
